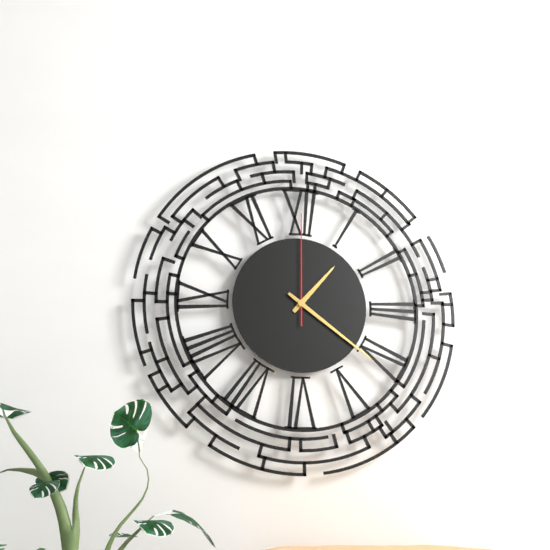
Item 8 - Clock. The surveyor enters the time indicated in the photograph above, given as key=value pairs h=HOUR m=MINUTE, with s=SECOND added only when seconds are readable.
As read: h=1 m=21 s=0
